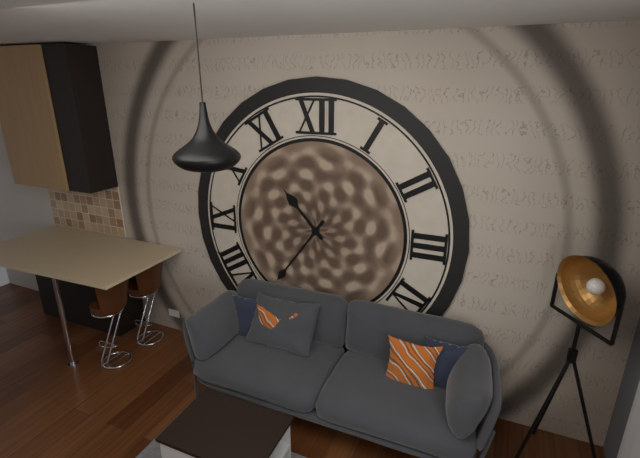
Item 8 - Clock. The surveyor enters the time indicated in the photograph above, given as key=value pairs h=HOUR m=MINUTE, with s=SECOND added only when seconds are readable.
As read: h=10 m=36
